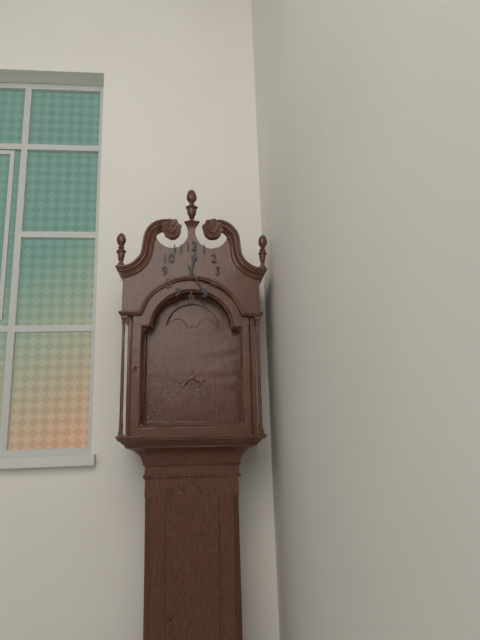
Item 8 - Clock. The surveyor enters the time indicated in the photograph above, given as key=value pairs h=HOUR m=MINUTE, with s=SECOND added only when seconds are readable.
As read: h=12 m=25
